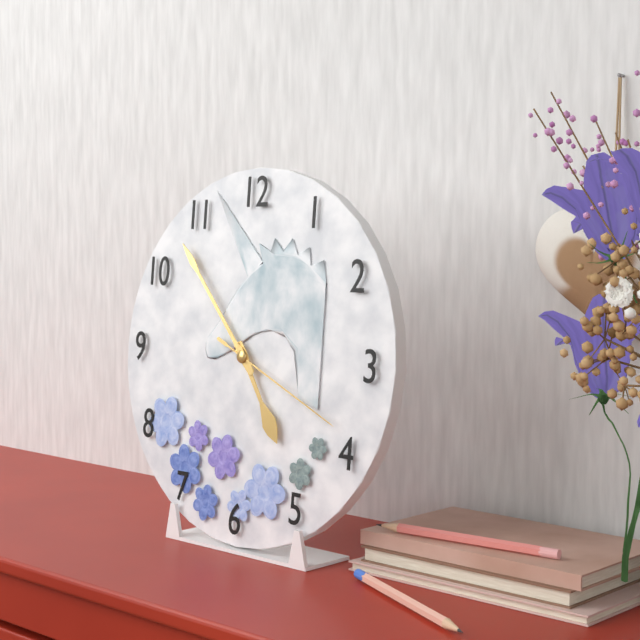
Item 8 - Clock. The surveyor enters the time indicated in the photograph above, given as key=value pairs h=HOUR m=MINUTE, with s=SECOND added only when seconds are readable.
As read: h=4 m=53 s=19
